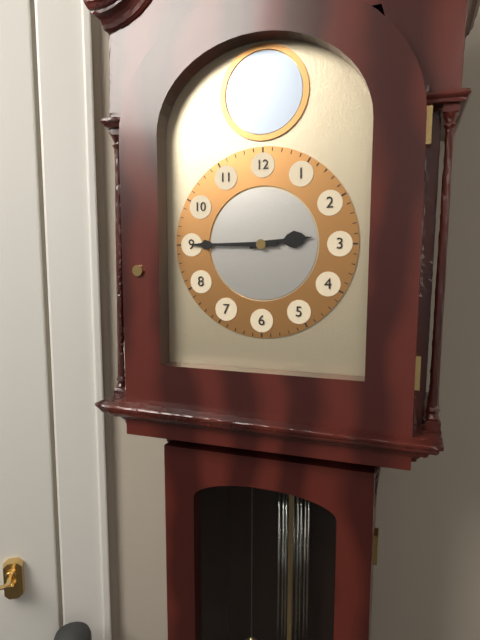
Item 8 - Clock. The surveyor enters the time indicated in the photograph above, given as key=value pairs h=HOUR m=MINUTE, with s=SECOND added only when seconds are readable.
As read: h=2 m=45
